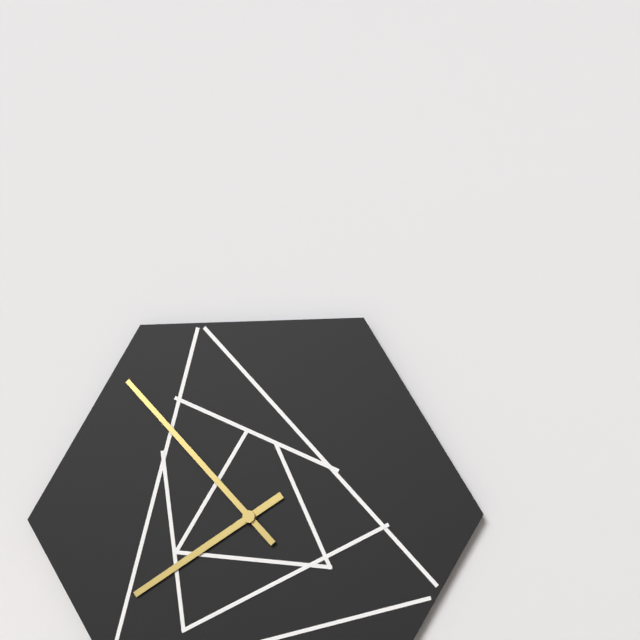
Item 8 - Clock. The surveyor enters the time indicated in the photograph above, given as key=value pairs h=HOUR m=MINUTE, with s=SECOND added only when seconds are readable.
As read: h=7 m=53
